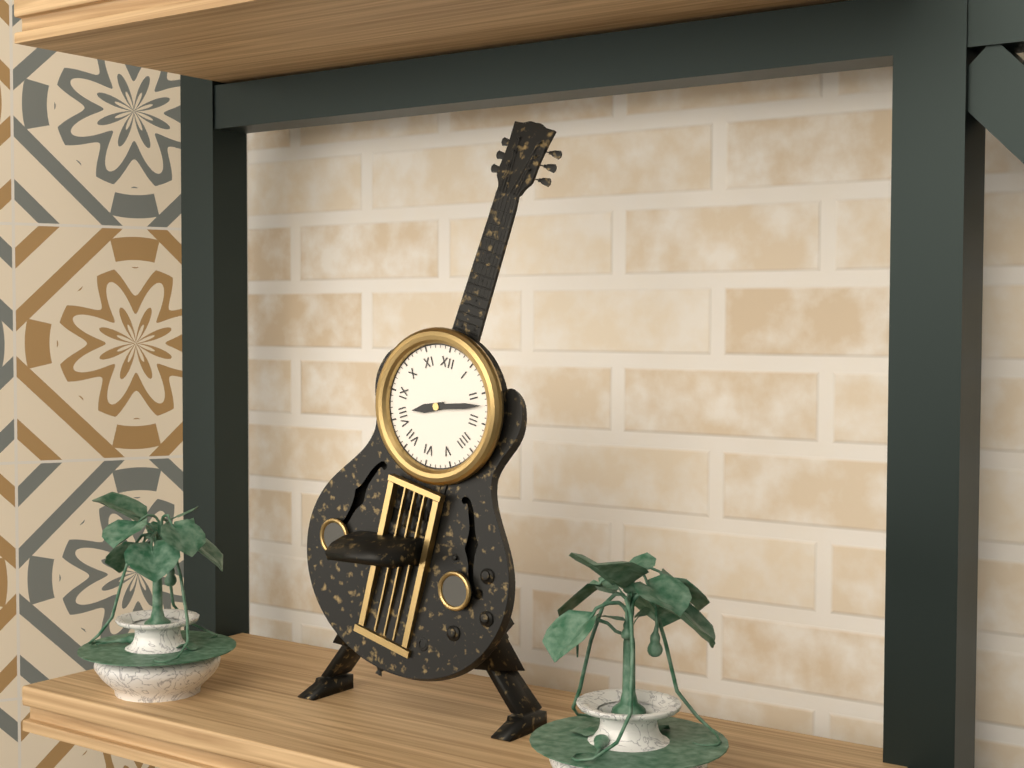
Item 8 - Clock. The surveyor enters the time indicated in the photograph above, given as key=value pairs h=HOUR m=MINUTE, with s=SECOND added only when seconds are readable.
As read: h=8 m=12
